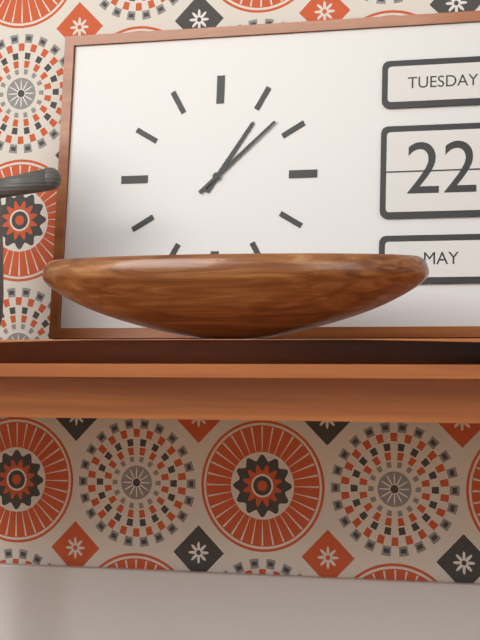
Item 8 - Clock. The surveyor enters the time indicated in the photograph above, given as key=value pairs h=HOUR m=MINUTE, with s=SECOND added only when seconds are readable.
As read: h=1 m=8
